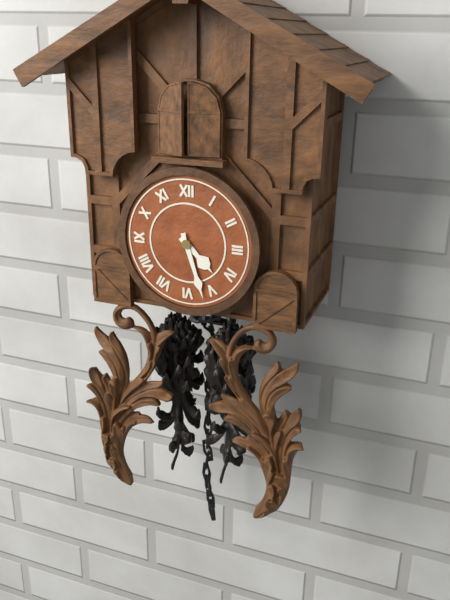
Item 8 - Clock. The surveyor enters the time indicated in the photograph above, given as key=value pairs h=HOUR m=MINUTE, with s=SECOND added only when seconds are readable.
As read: h=4 m=27
